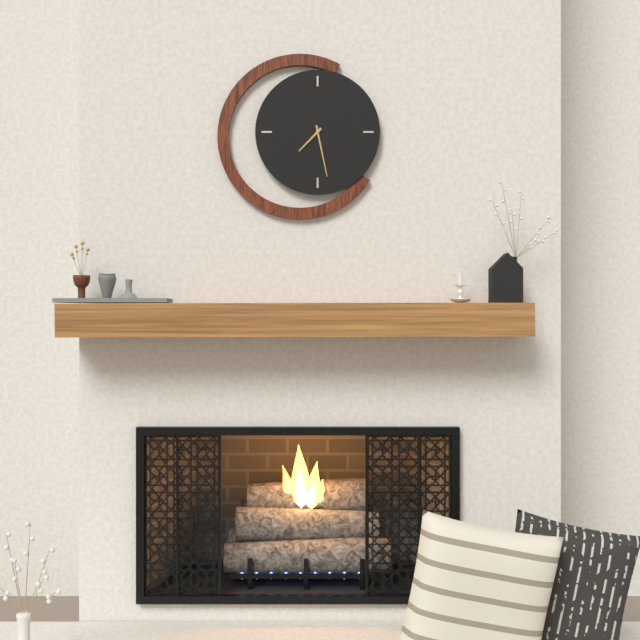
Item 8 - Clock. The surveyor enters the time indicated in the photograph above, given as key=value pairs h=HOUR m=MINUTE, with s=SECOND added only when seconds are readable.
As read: h=7 m=28
